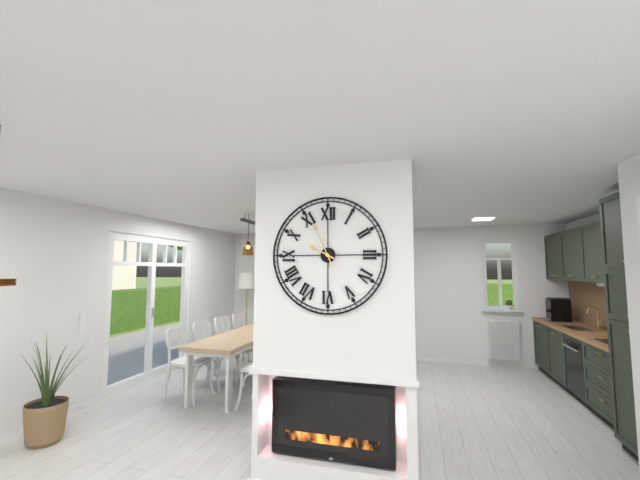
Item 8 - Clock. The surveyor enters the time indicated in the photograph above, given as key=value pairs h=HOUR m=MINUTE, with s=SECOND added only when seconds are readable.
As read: h=9 m=56
